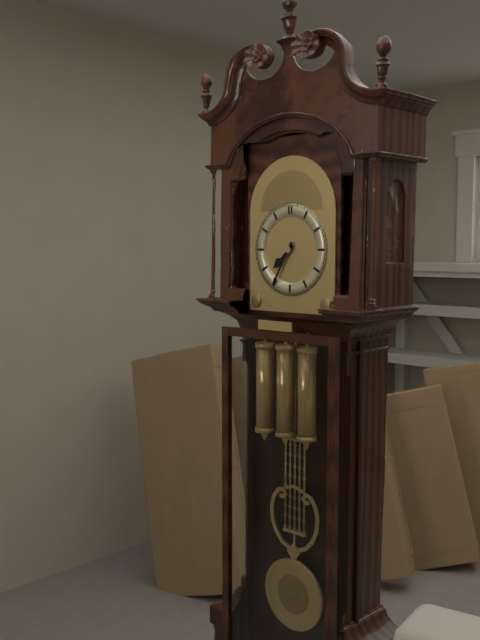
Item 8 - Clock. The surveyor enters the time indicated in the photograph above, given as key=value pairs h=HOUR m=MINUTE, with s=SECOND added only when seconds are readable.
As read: h=7 m=35
